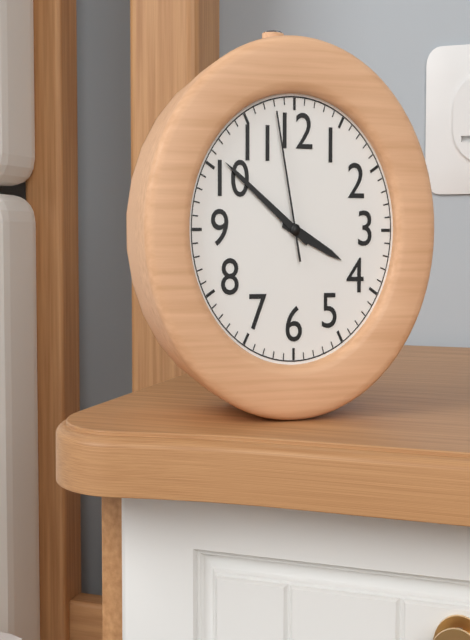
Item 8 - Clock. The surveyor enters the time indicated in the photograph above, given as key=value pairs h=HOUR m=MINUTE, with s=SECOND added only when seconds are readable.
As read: h=3 m=51 s=58
